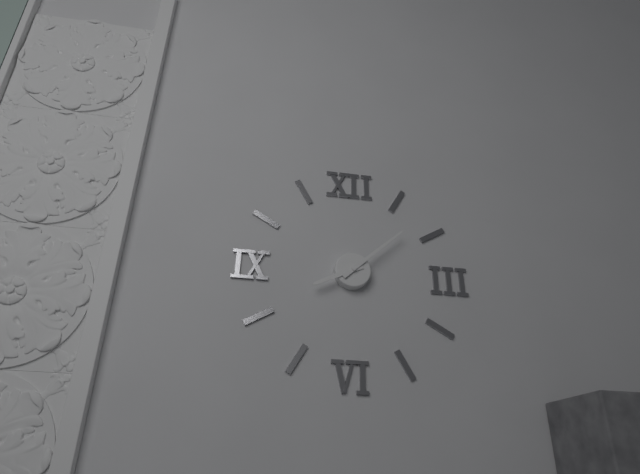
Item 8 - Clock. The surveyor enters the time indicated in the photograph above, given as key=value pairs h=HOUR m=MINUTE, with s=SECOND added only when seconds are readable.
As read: h=8 m=8
